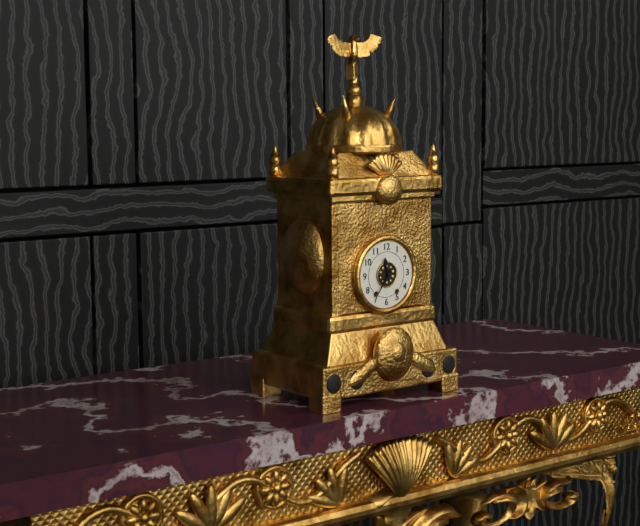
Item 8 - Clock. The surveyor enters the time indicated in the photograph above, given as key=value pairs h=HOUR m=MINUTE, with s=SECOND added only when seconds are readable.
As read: h=11 m=36
